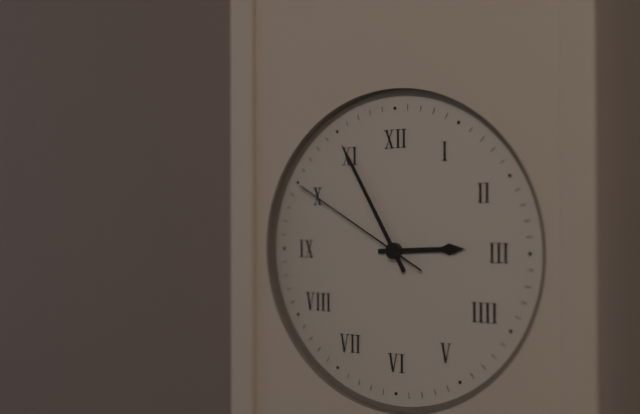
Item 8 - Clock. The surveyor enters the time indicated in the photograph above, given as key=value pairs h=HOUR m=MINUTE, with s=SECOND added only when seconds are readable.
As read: h=2 m=55 s=50
